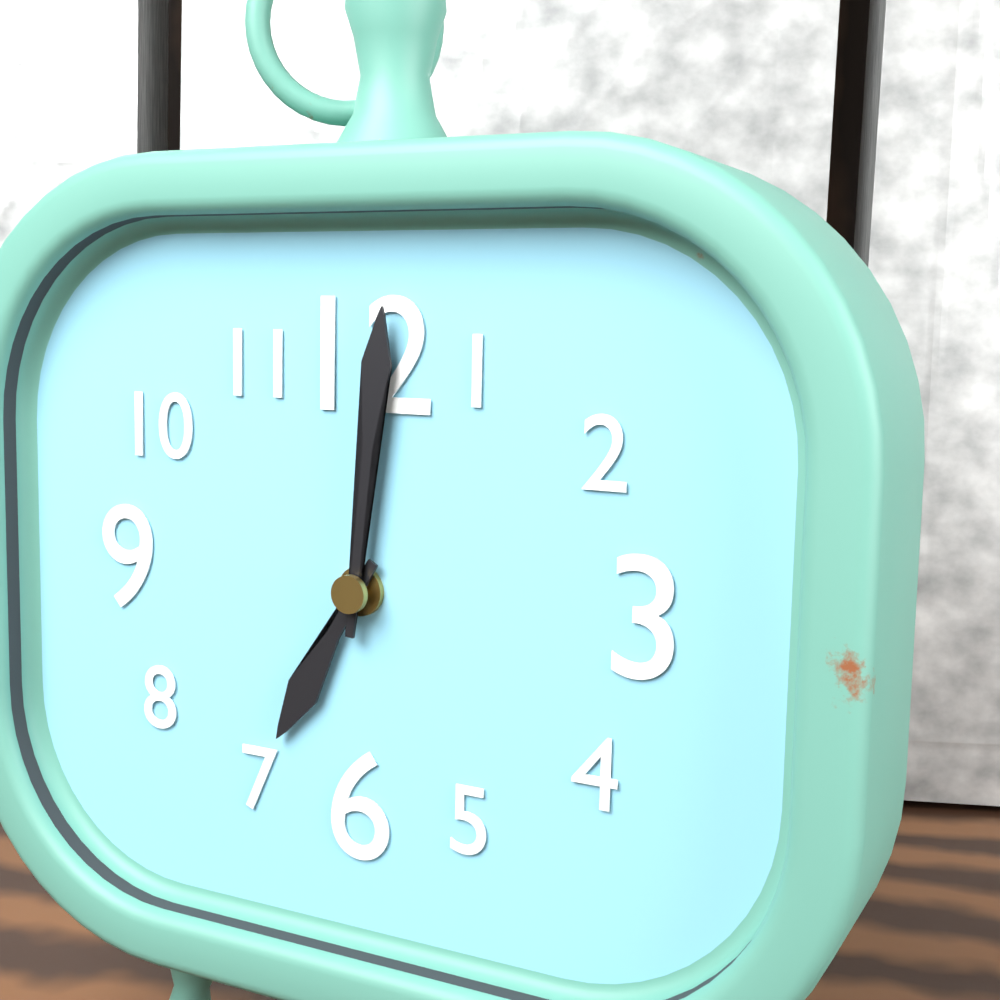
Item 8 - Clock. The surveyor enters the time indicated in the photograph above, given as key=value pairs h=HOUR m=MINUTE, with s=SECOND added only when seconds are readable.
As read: h=7 m=1
